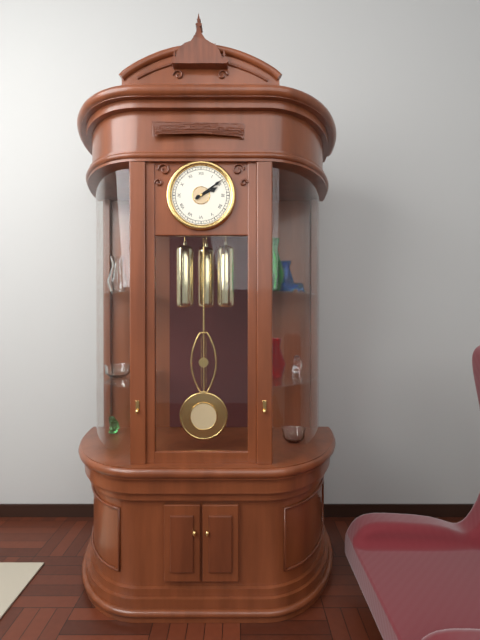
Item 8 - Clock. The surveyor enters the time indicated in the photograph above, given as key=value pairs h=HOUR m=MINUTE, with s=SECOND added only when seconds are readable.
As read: h=2 m=9
